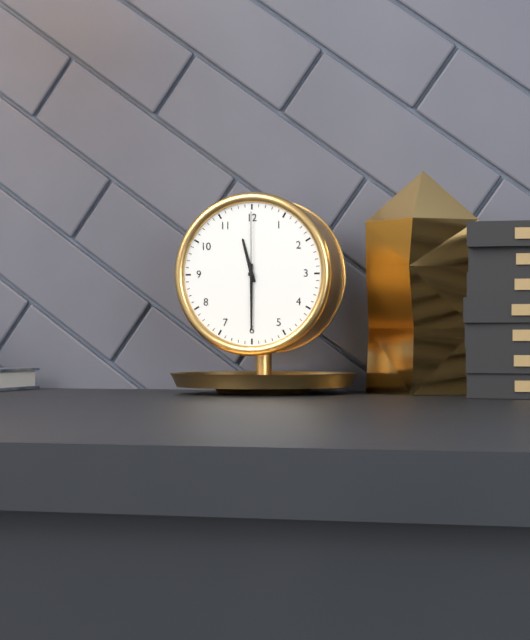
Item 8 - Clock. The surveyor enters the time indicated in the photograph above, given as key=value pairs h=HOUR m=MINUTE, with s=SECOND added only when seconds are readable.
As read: h=11 m=30 s=0
